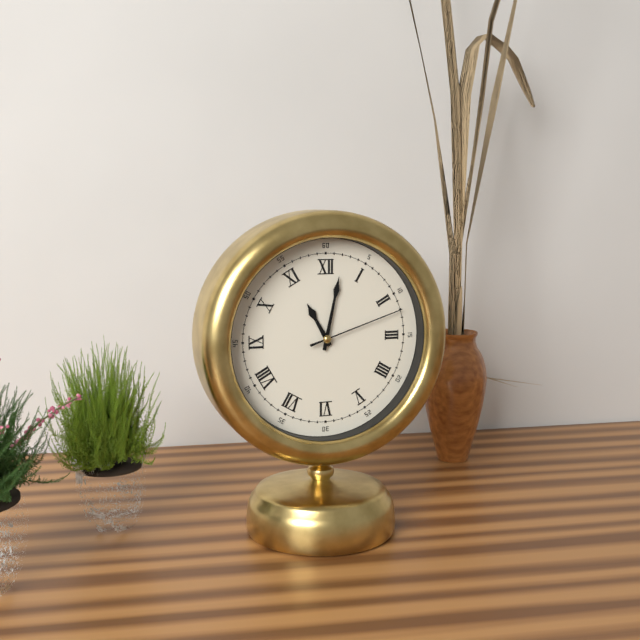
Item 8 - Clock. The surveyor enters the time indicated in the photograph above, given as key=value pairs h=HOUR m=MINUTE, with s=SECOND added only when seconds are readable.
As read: h=11 m=2 s=12
